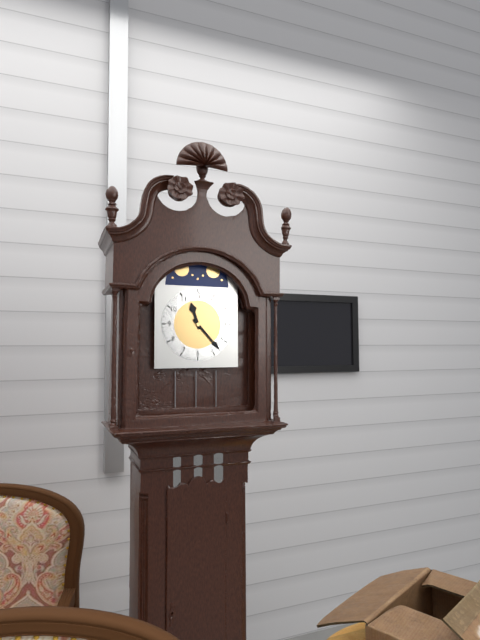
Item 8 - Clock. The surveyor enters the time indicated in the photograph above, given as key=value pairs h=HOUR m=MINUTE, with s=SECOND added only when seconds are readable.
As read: h=11 m=23
